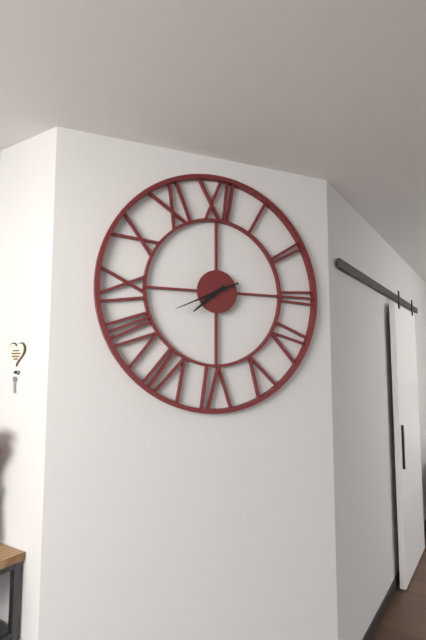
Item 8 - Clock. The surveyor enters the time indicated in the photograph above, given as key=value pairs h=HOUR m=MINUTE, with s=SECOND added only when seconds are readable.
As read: h=7 m=41
